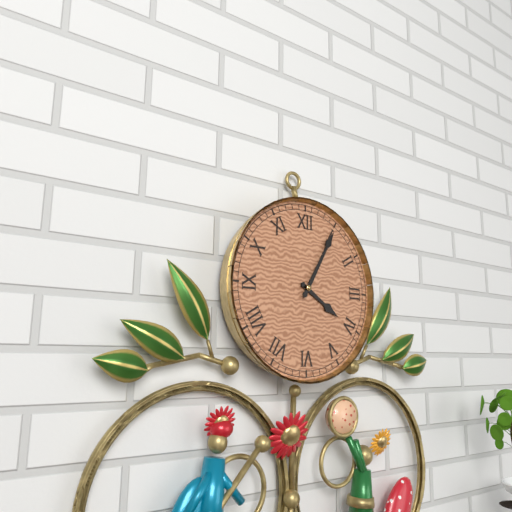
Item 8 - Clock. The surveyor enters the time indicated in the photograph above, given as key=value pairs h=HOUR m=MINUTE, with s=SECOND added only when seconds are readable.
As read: h=4 m=5
